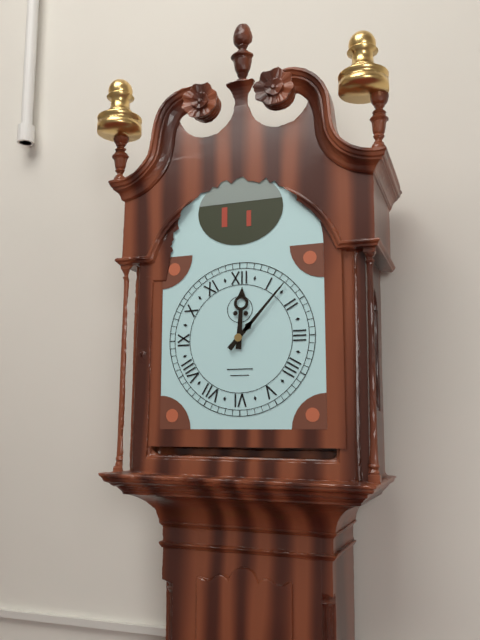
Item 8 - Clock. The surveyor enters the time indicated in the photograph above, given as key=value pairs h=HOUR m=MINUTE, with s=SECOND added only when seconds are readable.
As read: h=12 m=7
